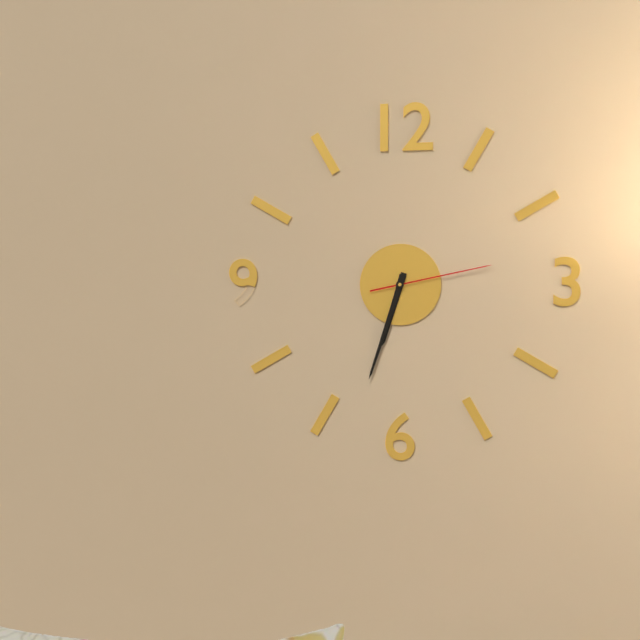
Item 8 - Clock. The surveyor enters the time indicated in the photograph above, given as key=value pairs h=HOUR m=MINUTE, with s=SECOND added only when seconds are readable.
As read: h=6 m=33 s=13
